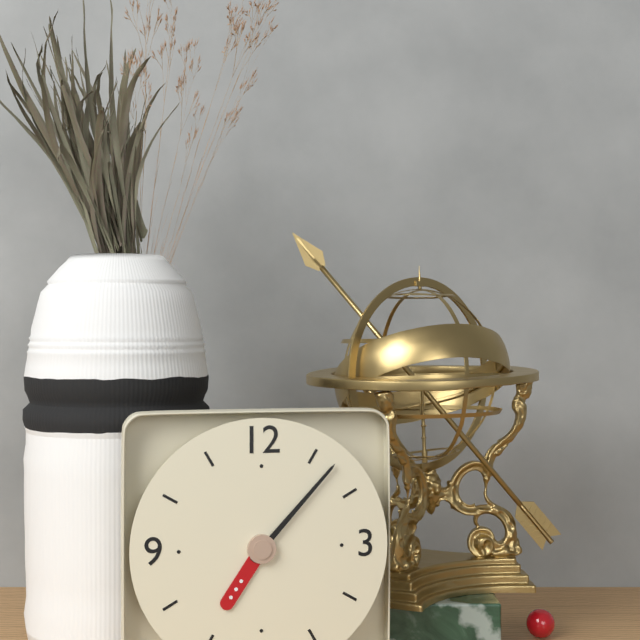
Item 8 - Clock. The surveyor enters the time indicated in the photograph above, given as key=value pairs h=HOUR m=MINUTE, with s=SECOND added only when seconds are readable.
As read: h=7 m=7
